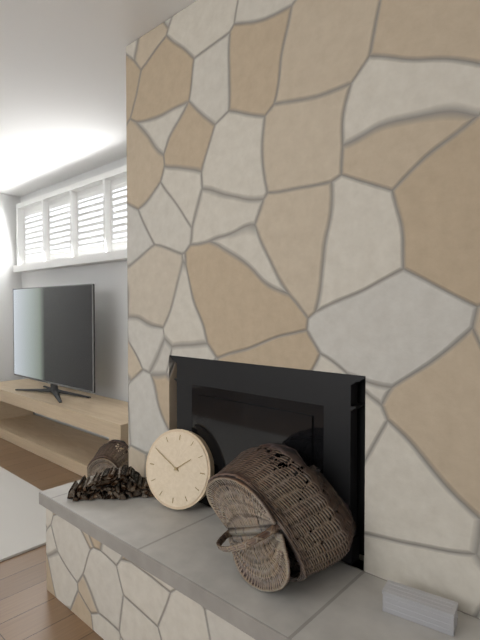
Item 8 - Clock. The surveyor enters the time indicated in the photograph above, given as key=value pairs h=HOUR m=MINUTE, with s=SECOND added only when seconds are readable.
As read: h=1 m=50
